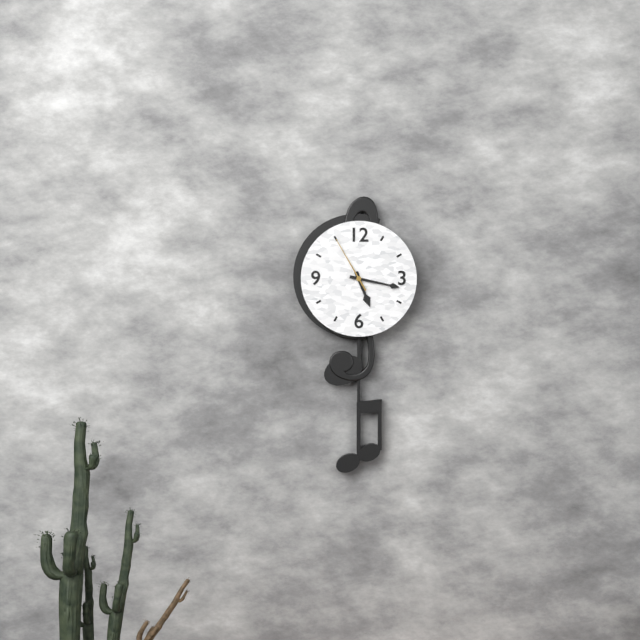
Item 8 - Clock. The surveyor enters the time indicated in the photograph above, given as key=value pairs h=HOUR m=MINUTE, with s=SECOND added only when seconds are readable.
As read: h=5 m=17 s=55
